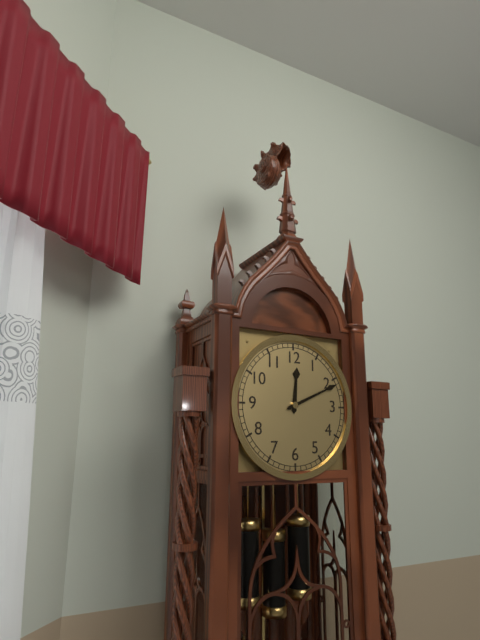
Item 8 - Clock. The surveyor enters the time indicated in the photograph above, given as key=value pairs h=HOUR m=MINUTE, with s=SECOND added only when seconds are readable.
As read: h=12 m=11
